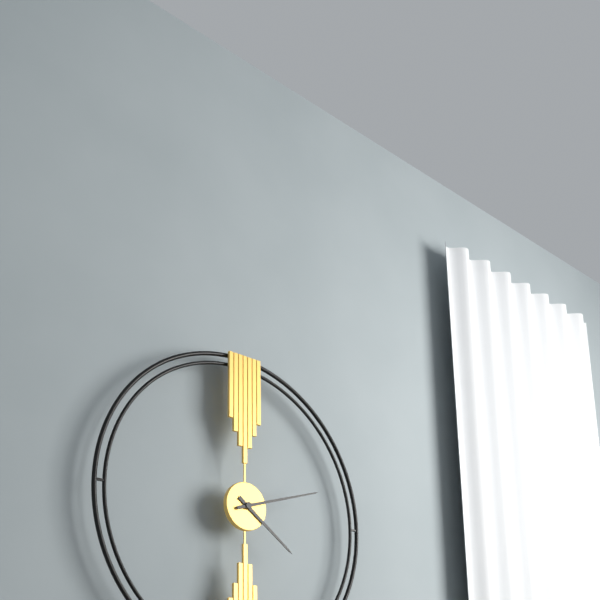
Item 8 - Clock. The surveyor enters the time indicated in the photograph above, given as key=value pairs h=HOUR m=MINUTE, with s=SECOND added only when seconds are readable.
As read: h=4 m=12
